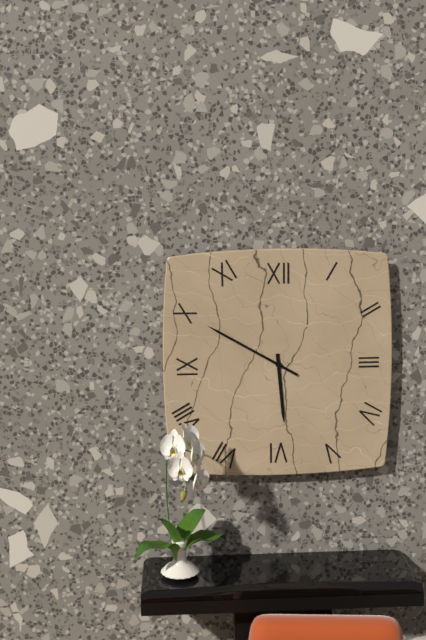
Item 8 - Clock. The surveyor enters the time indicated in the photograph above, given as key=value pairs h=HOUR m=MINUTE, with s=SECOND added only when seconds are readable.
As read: h=5 m=50
